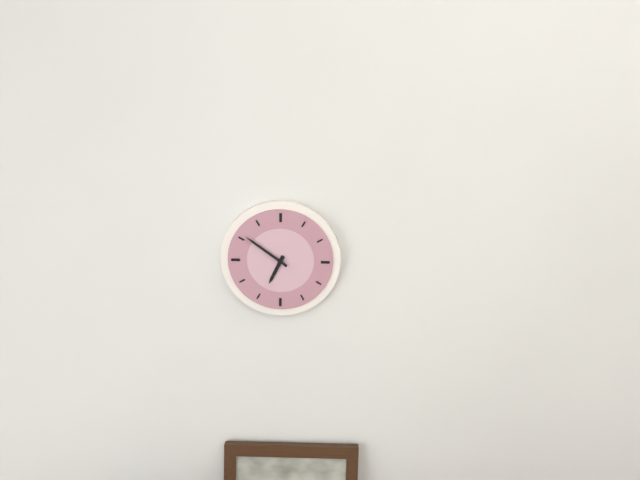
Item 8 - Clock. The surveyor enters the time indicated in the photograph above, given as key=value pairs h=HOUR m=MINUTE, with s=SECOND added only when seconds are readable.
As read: h=6 m=51
